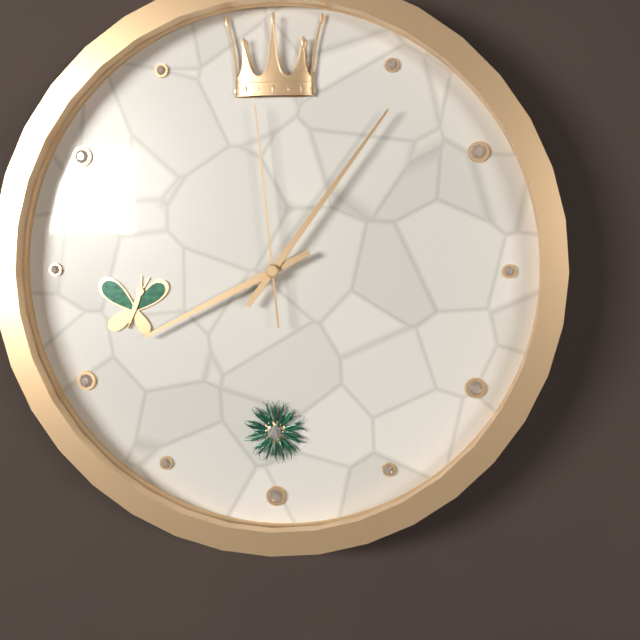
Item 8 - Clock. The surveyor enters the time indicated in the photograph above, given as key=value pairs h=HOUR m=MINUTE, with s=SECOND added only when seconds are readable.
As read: h=8 m=6 s=59
